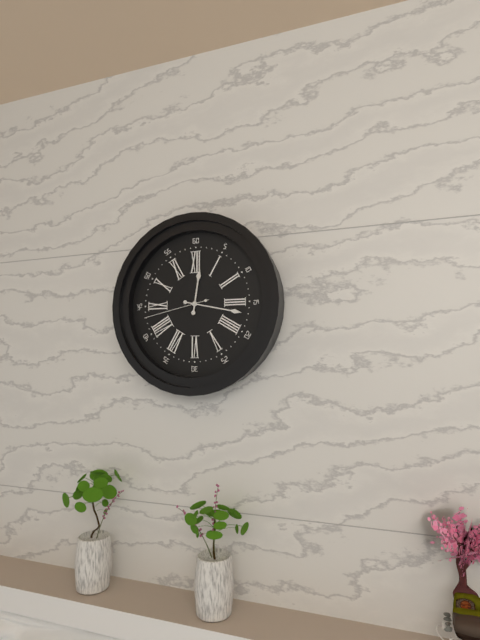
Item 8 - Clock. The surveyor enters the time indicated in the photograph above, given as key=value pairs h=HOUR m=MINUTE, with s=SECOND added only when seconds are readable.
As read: h=12 m=17 s=43
